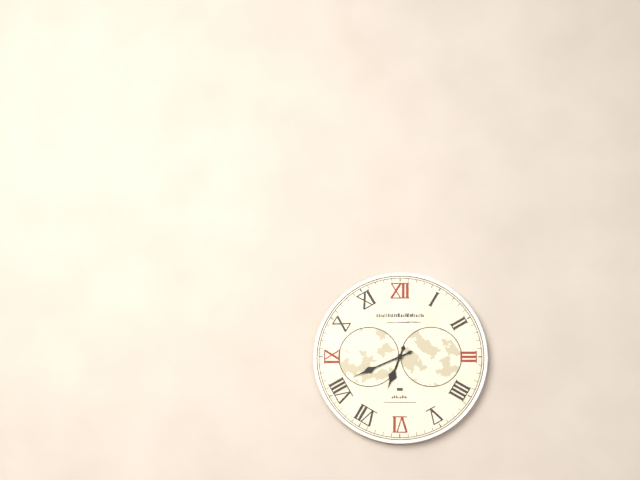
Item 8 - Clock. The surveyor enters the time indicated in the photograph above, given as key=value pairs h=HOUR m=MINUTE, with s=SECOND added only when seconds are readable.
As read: h=6 m=41
